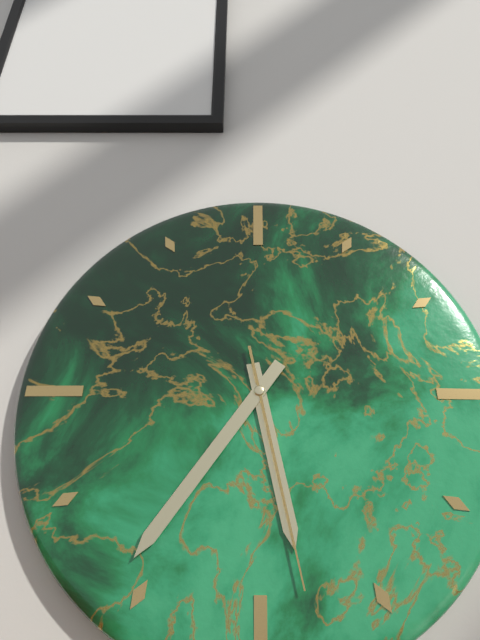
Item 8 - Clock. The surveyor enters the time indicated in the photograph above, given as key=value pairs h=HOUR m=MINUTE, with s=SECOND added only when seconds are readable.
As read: h=5 m=36 s=28
